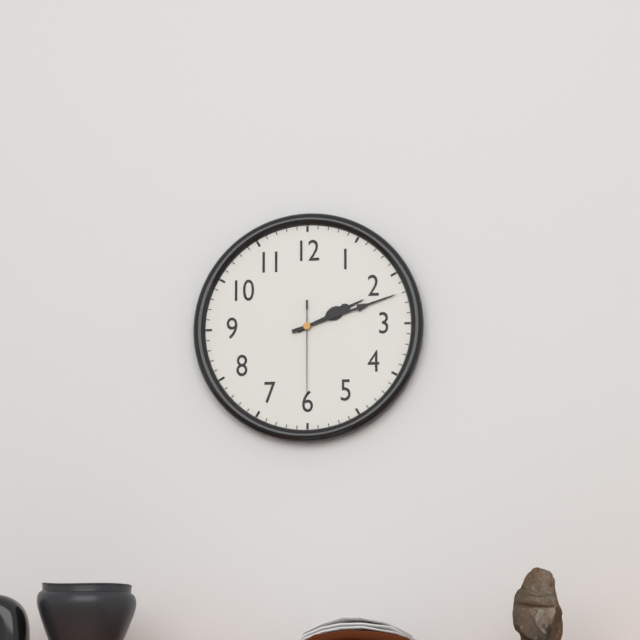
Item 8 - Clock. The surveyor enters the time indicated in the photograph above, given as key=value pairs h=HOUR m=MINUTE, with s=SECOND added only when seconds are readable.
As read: h=2 m=12 s=30
